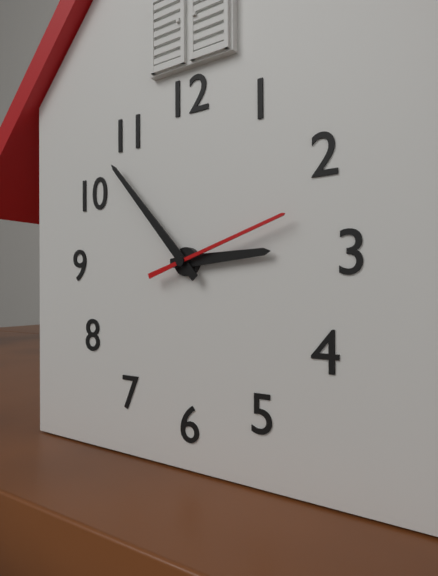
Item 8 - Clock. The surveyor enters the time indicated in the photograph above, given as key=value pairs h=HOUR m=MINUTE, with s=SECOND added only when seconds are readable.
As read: h=2 m=53 s=12
